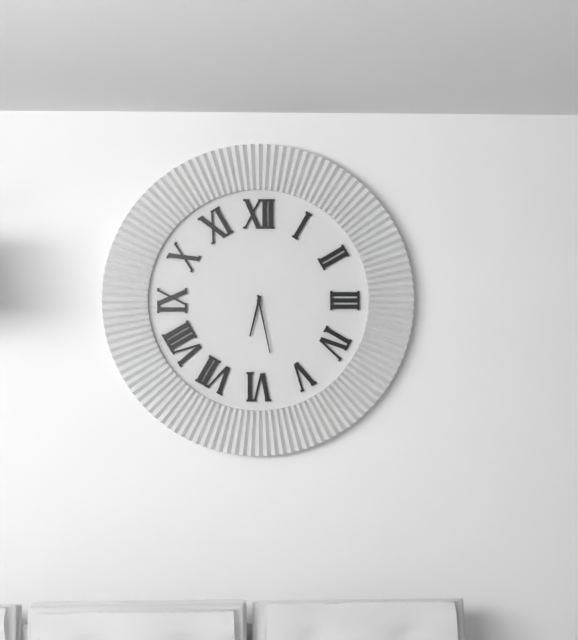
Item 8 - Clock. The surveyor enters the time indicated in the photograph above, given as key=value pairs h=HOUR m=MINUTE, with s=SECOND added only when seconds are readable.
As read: h=6 m=28
